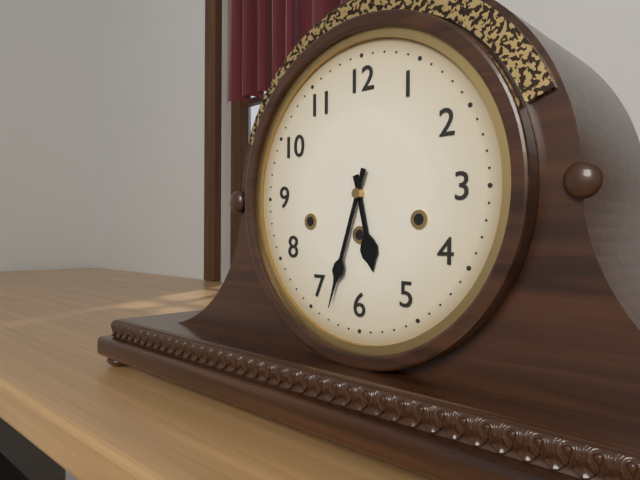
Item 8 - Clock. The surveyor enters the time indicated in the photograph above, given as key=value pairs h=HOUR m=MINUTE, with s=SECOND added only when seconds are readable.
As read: h=5 m=33
